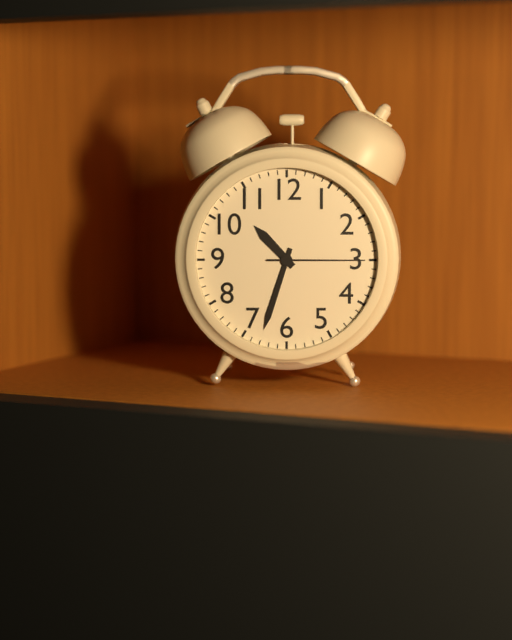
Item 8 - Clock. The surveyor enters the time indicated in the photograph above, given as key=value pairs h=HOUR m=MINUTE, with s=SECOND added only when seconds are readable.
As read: h=10 m=33 s=15
